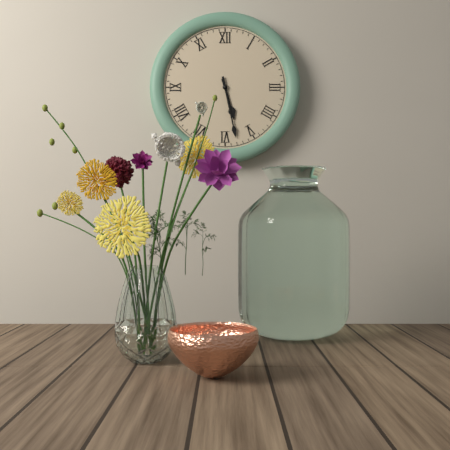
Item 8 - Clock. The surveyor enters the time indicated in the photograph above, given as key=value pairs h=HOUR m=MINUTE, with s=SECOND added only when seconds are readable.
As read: h=5 m=28
